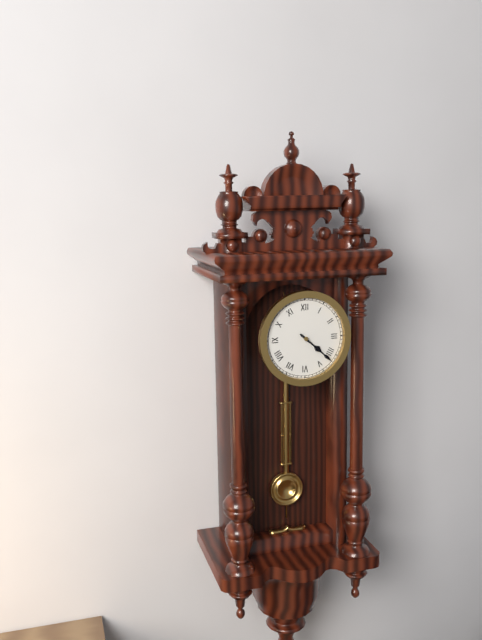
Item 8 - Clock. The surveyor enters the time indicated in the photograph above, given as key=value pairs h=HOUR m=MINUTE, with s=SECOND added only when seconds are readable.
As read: h=4 m=22
